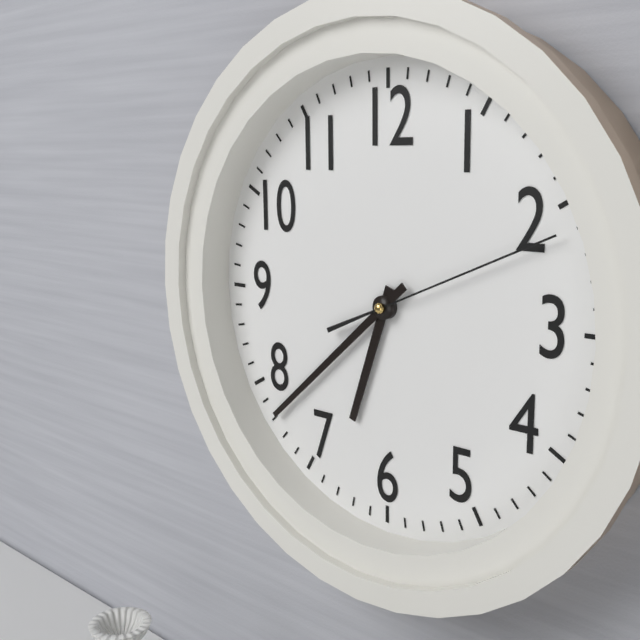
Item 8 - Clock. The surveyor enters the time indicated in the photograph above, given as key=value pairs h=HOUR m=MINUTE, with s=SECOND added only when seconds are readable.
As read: h=6 m=38 s=11
